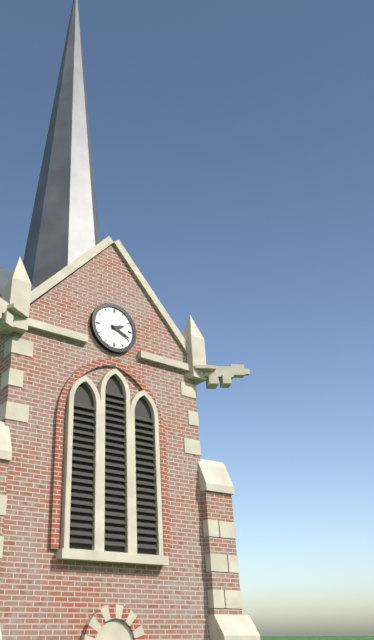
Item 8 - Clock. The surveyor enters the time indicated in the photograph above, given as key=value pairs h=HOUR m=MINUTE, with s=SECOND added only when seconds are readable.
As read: h=2 m=19
